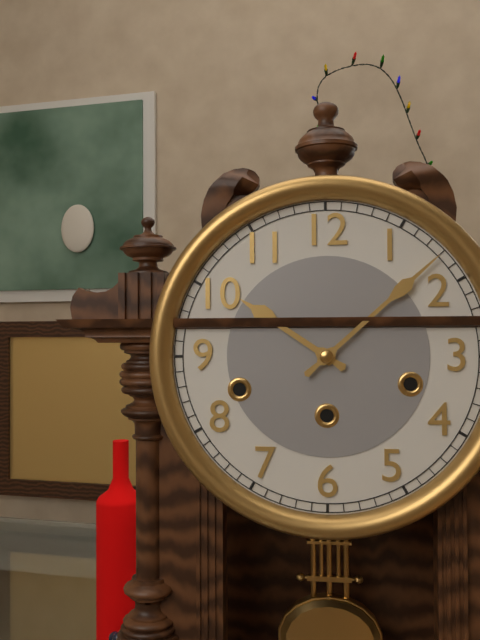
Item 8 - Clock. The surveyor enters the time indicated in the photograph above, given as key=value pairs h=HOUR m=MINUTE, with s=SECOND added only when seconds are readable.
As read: h=10 m=8
